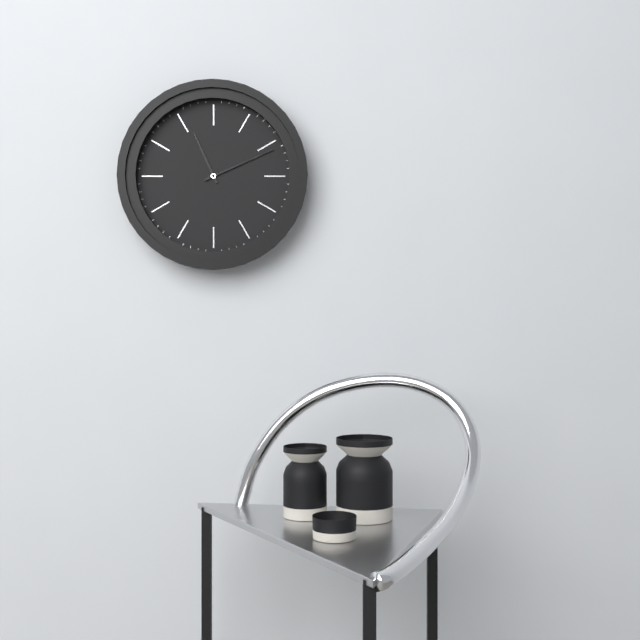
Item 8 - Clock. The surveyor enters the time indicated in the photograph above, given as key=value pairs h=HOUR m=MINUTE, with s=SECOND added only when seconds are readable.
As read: h=11 m=11
